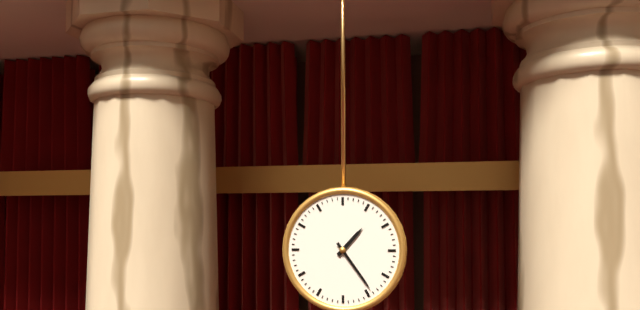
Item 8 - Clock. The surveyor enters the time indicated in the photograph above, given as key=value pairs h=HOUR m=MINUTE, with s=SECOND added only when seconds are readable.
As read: h=1 m=24
